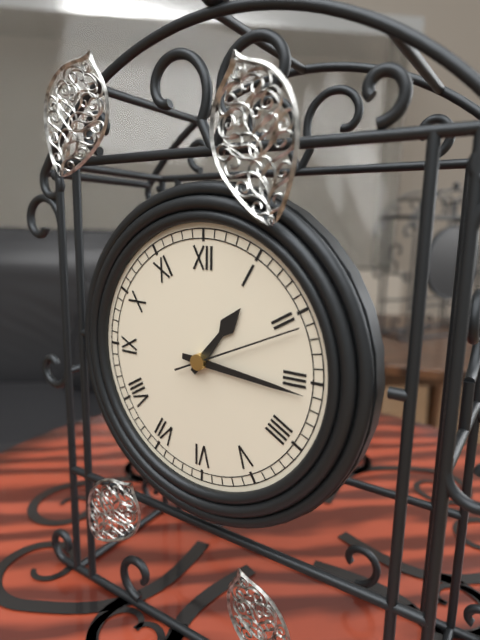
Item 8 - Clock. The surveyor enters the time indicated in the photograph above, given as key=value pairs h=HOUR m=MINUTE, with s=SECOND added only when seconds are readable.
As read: h=1 m=16 s=11
